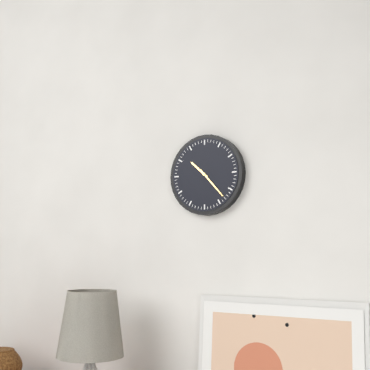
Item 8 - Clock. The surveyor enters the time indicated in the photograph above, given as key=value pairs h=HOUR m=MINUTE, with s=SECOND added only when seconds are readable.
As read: h=10 m=23
